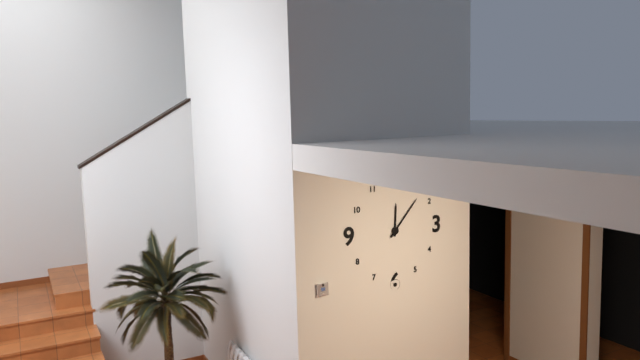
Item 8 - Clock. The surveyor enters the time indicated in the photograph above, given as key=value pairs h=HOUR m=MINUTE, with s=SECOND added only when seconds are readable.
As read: h=12 m=7
